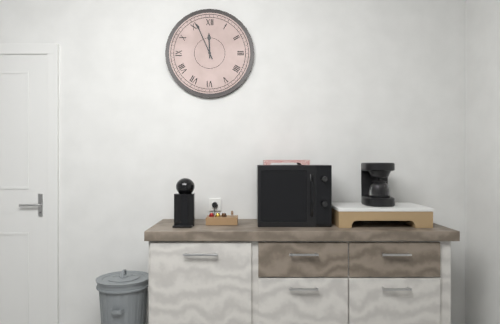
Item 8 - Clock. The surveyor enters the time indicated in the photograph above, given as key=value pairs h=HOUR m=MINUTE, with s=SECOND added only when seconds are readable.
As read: h=11 m=56
